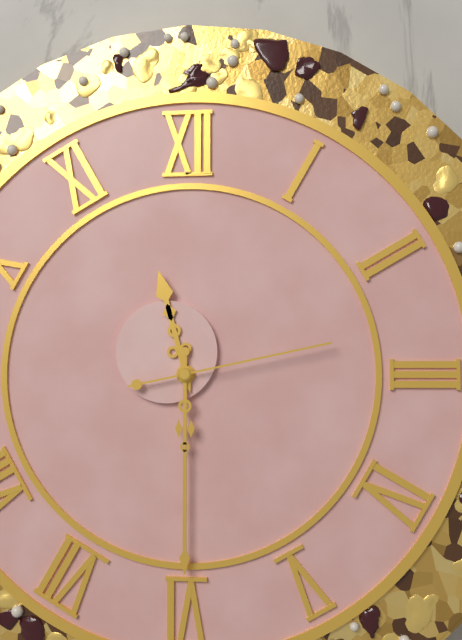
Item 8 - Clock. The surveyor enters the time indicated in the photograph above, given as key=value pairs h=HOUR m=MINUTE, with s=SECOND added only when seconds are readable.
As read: h=11 m=30 s=13
